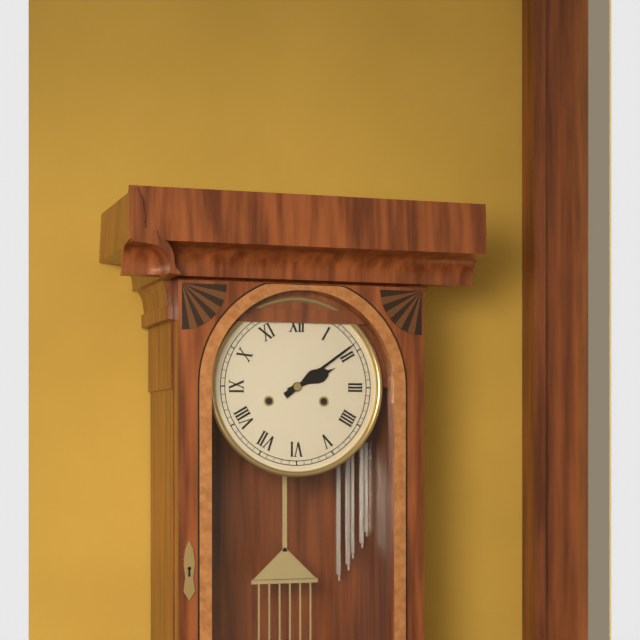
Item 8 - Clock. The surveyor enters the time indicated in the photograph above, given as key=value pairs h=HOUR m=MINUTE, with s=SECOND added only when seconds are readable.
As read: h=2 m=9
